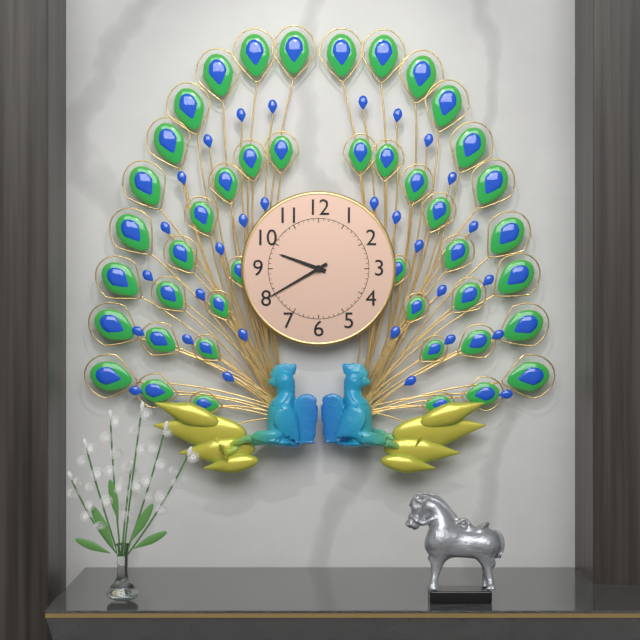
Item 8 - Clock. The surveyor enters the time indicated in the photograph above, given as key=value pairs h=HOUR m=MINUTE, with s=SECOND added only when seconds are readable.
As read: h=9 m=40
